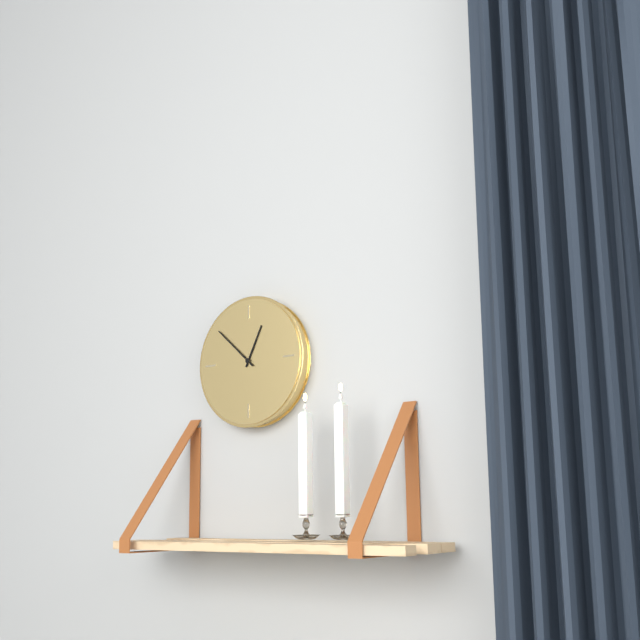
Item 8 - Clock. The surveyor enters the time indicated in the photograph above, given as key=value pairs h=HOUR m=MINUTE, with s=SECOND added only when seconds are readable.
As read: h=12 m=52
